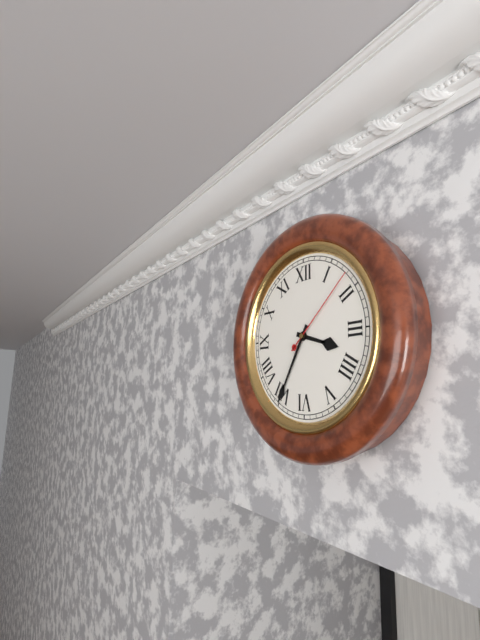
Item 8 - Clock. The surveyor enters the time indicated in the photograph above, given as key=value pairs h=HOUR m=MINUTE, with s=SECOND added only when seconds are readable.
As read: h=3 m=35 s=8
